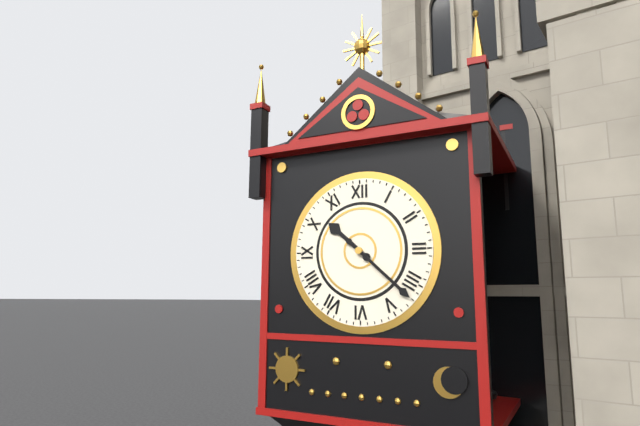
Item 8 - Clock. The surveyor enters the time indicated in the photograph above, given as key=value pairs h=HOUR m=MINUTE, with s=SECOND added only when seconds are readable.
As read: h=10 m=22
